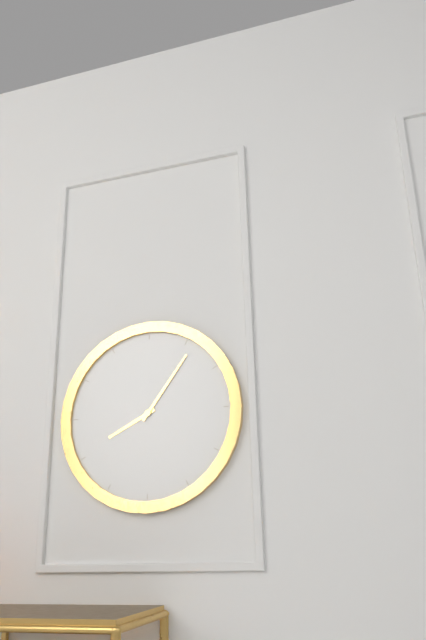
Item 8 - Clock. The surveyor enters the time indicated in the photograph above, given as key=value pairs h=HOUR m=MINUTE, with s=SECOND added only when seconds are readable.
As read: h=8 m=6
